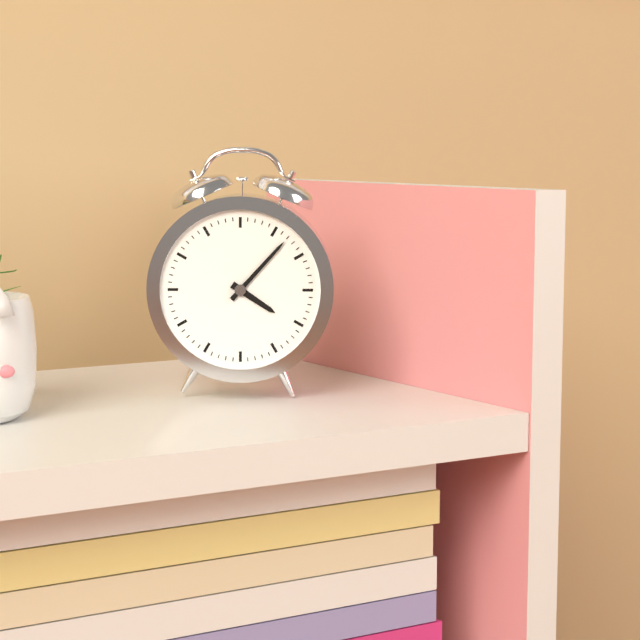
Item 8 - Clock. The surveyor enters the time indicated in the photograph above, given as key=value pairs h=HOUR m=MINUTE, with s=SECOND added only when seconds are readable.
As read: h=4 m=7
